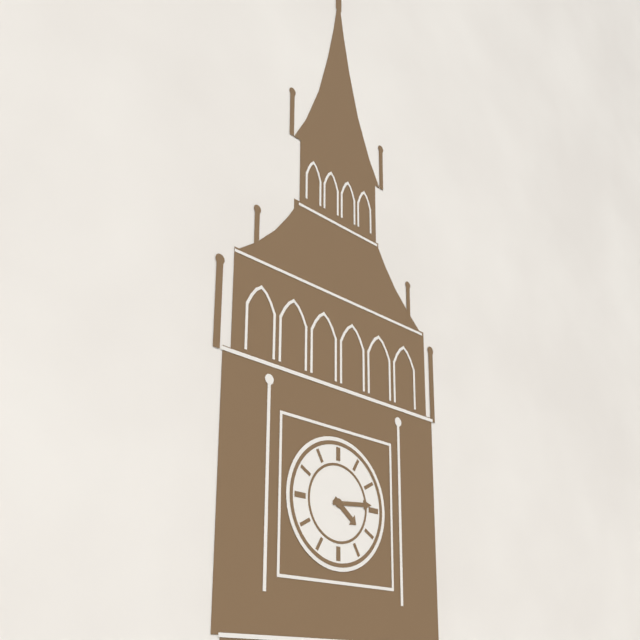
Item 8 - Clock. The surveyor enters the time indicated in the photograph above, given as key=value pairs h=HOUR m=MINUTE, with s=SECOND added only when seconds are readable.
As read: h=4 m=14
